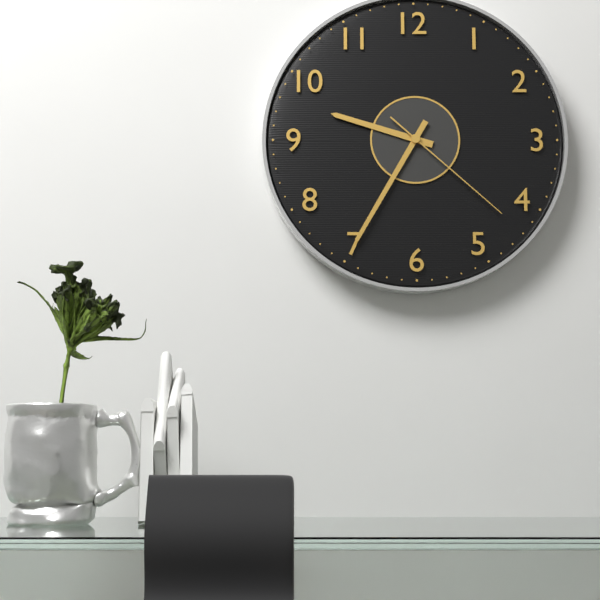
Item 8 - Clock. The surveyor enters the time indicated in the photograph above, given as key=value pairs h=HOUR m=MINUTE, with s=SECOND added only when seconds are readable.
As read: h=9 m=35 s=22
